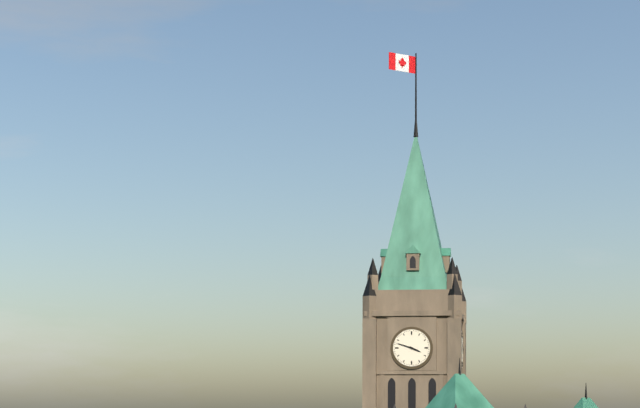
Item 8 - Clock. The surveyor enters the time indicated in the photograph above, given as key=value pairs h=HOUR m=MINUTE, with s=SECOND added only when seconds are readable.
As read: h=3 m=48
